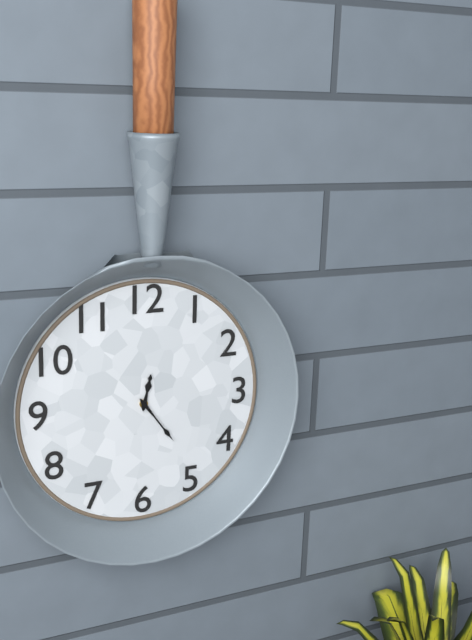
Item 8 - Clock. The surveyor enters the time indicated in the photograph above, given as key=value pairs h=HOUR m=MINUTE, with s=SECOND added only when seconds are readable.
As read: h=12 m=24
